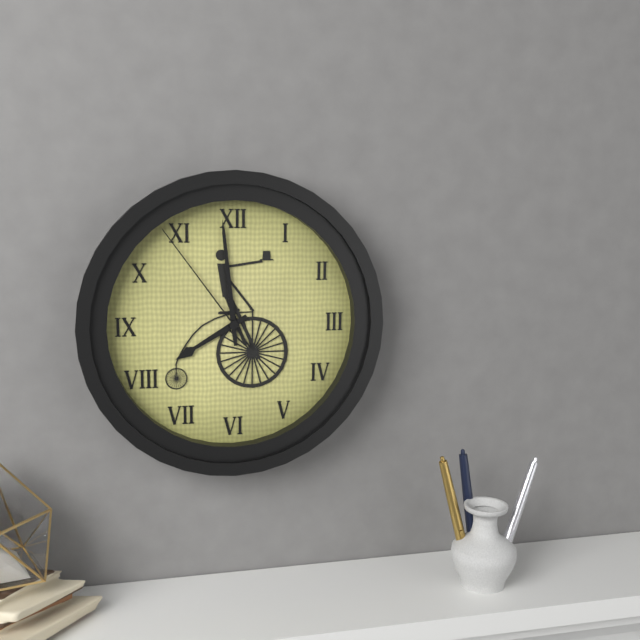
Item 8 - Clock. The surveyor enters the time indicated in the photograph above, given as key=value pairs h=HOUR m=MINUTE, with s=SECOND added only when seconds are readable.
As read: h=7 m=59 s=54
